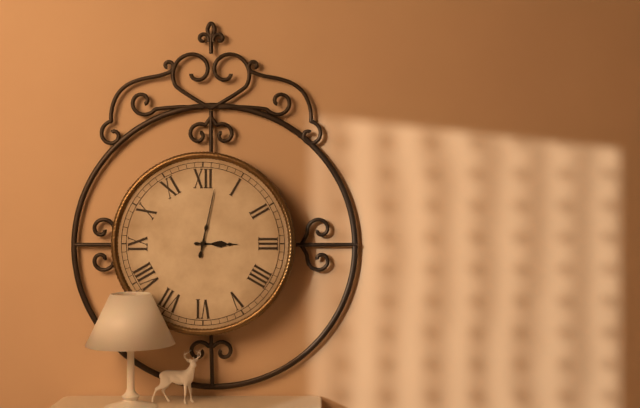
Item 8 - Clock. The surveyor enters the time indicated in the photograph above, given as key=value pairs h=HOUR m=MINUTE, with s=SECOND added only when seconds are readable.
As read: h=3 m=2
